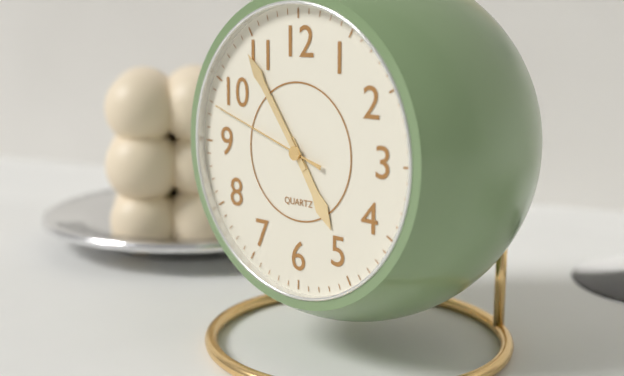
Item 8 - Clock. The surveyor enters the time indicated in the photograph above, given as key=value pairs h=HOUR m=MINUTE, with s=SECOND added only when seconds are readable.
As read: h=4 m=54 s=48
